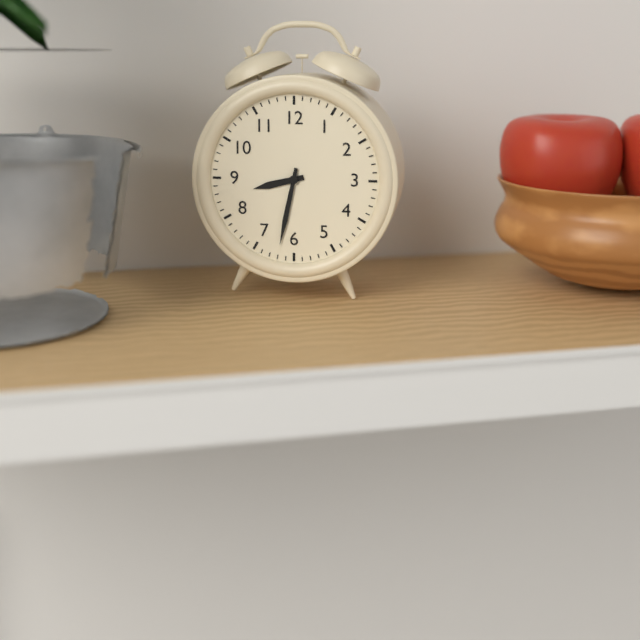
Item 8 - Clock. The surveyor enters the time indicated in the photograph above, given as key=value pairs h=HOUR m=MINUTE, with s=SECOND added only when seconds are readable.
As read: h=8 m=32
